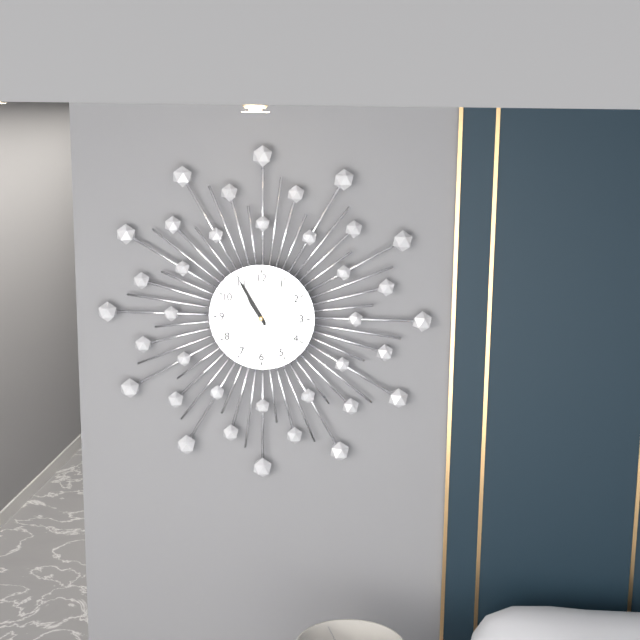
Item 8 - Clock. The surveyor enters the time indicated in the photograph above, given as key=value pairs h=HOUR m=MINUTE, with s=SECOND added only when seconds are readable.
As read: h=10 m=55 s=7
